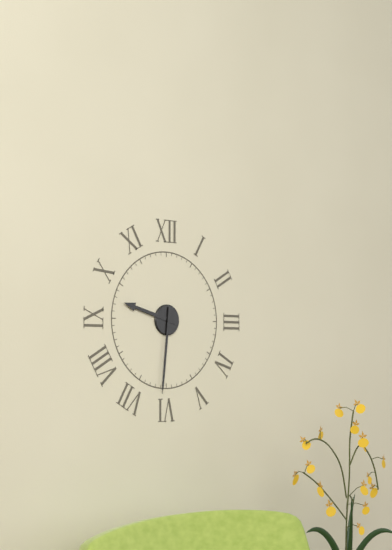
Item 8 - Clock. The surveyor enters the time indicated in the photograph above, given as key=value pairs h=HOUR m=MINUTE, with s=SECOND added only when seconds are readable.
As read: h=9 m=31
